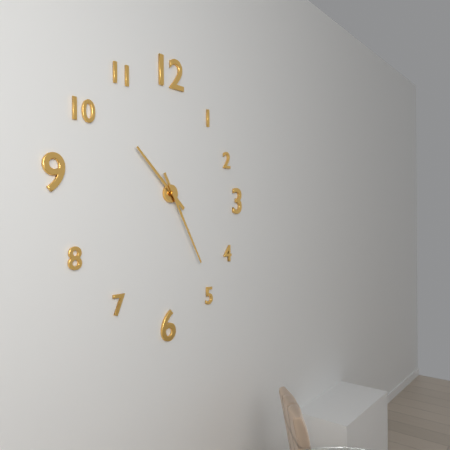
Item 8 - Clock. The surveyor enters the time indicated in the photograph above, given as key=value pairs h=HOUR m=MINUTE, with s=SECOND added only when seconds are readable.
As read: h=10 m=25
